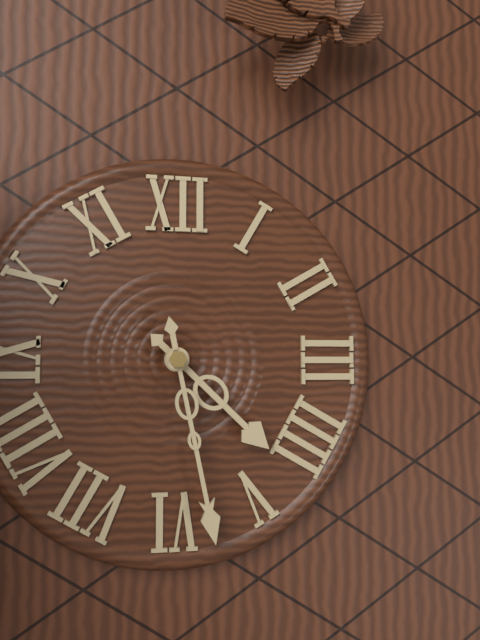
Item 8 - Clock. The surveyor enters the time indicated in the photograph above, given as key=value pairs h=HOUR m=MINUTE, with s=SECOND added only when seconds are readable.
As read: h=4 m=28
